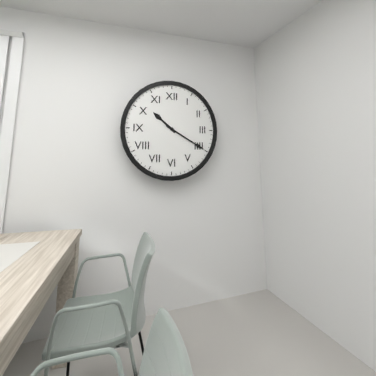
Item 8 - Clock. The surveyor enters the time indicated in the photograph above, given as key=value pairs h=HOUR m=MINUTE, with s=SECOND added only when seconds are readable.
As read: h=10 m=20
